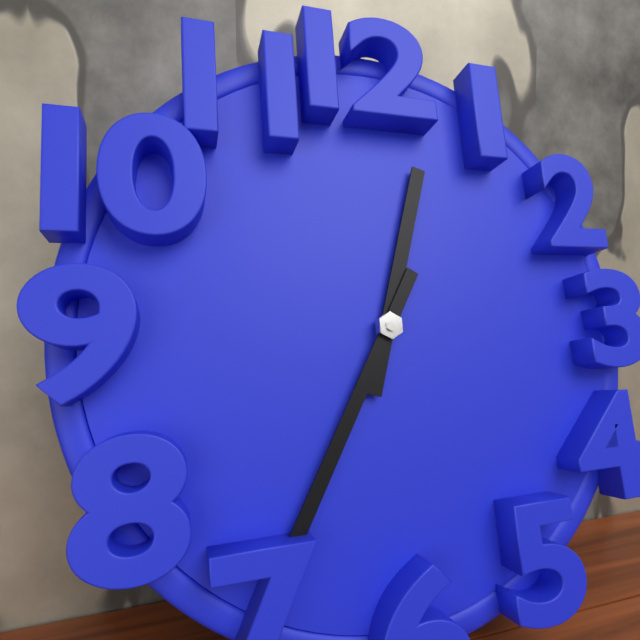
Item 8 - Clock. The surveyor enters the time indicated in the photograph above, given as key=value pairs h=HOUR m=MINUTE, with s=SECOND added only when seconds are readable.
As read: h=12 m=35
